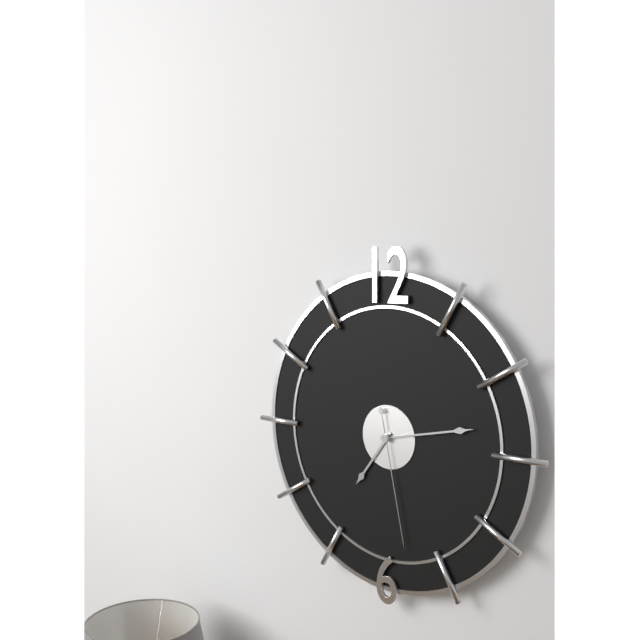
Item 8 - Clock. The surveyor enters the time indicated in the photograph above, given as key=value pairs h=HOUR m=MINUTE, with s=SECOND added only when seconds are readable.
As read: h=7 m=13 s=28
